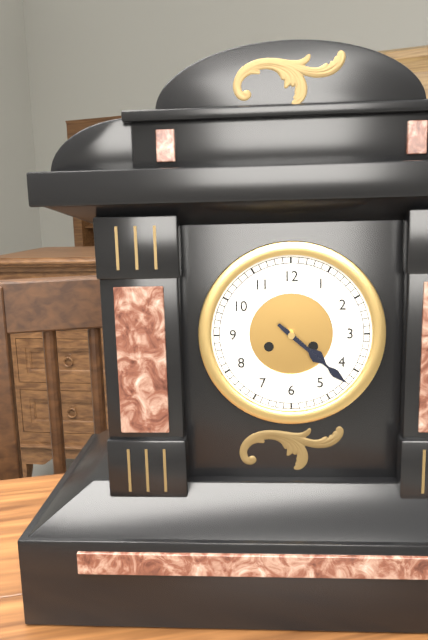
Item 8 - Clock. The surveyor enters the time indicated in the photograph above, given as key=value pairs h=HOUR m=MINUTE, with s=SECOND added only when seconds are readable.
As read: h=4 m=22
